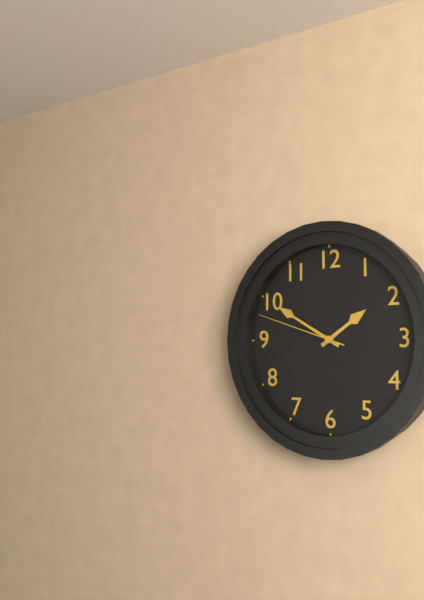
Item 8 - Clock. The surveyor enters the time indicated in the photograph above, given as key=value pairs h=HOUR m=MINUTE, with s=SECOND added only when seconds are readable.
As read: h=1 m=50 s=48
